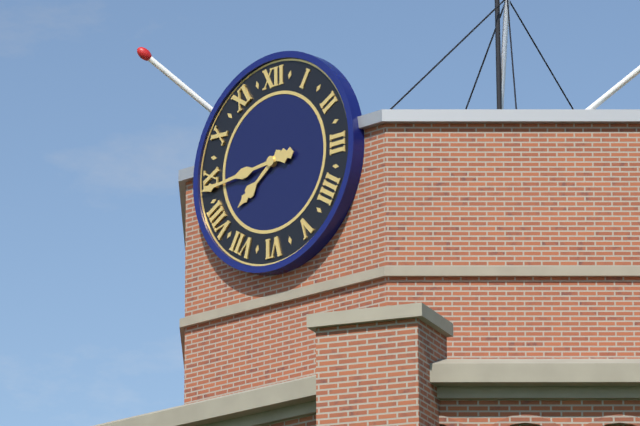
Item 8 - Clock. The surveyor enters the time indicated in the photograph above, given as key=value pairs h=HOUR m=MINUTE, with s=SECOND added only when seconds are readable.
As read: h=7 m=44
